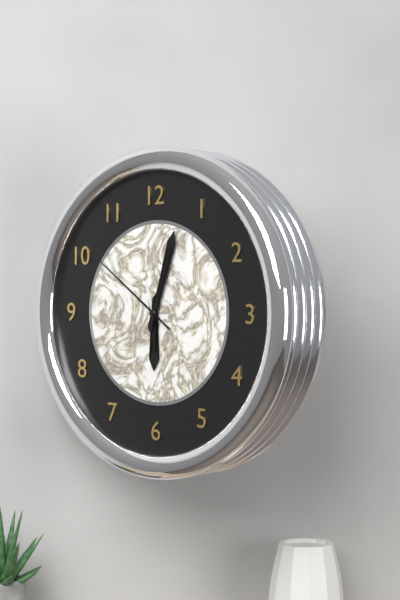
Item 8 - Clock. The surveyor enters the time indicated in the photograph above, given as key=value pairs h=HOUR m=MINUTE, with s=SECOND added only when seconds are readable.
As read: h=6 m=3 s=51
